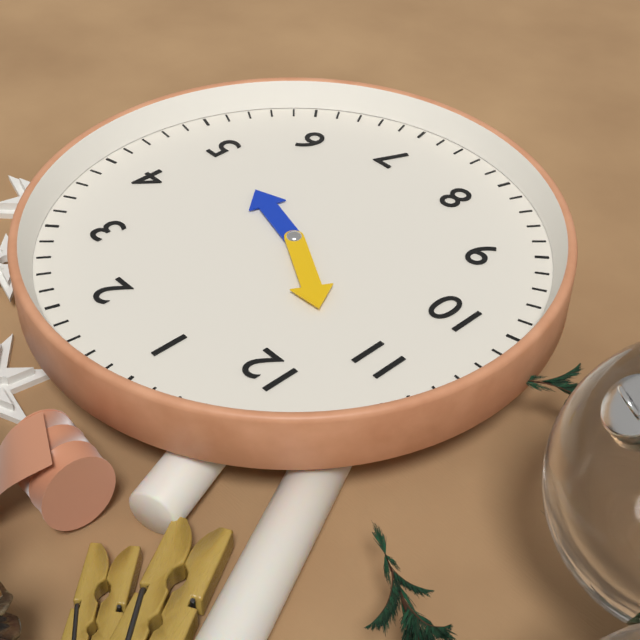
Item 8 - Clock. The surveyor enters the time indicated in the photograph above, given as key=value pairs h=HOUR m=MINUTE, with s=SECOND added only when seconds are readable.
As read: h=4 m=57
